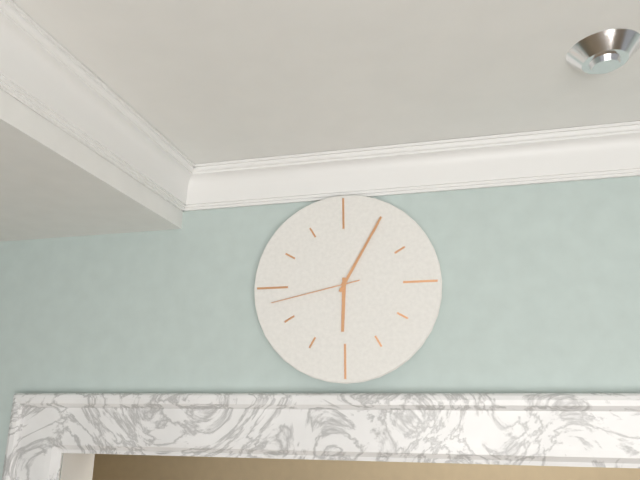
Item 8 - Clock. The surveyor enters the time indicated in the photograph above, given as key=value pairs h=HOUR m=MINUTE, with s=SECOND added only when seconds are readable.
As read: h=6 m=5 s=43
